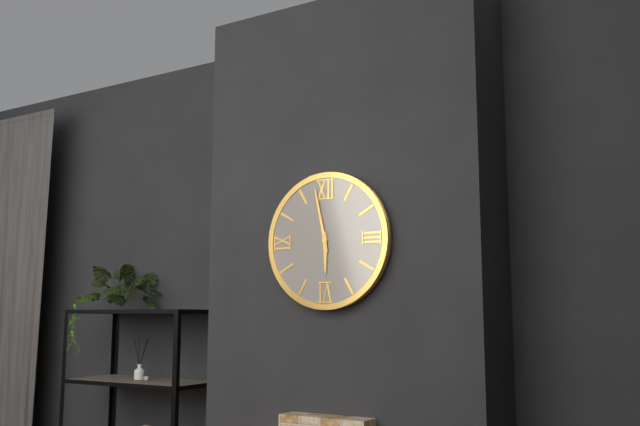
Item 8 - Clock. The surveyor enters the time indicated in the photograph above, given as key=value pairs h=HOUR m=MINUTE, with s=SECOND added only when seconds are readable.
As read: h=5 m=58
